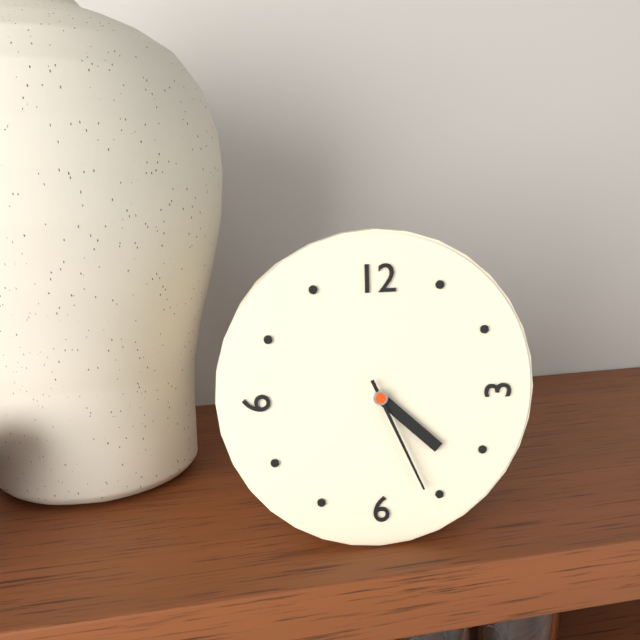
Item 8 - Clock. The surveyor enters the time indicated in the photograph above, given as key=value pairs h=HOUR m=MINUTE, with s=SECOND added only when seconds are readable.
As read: h=4 m=26
